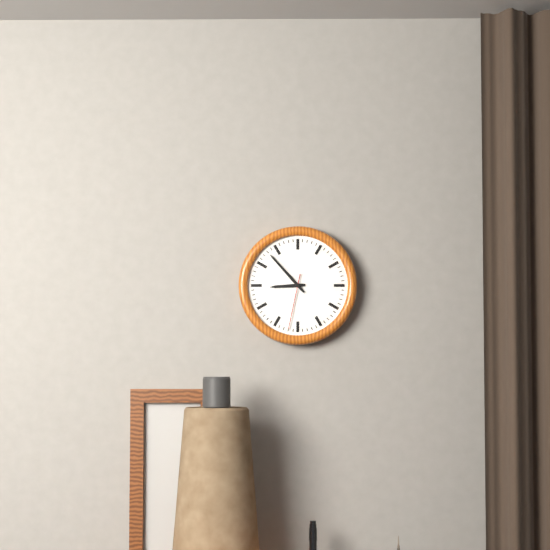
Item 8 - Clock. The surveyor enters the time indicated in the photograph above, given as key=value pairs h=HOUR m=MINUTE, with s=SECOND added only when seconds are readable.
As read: h=8 m=53 s=32
